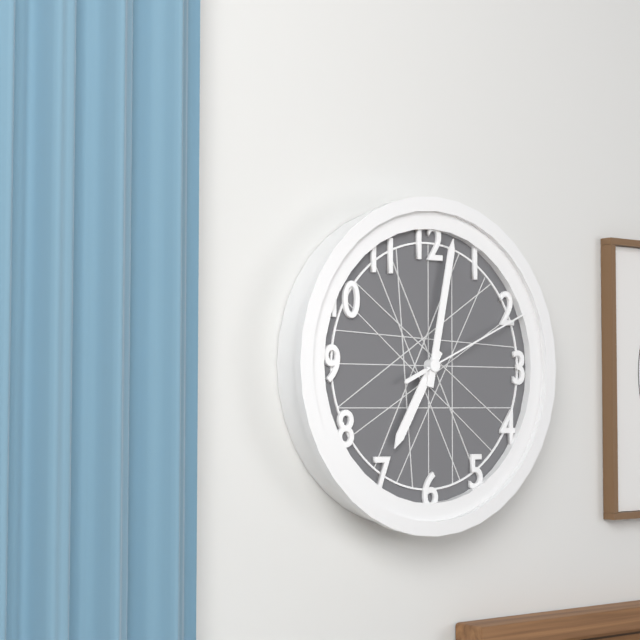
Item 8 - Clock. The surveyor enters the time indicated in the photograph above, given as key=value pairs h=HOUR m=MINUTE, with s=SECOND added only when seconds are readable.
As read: h=7 m=2 s=11
